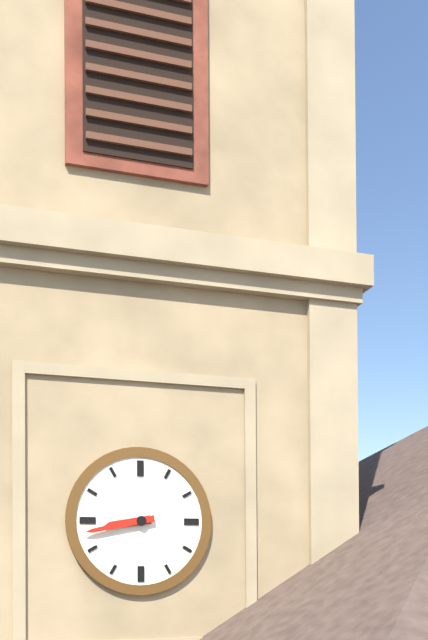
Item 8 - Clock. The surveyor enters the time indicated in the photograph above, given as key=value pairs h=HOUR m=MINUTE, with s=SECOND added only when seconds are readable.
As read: h=8 m=43
